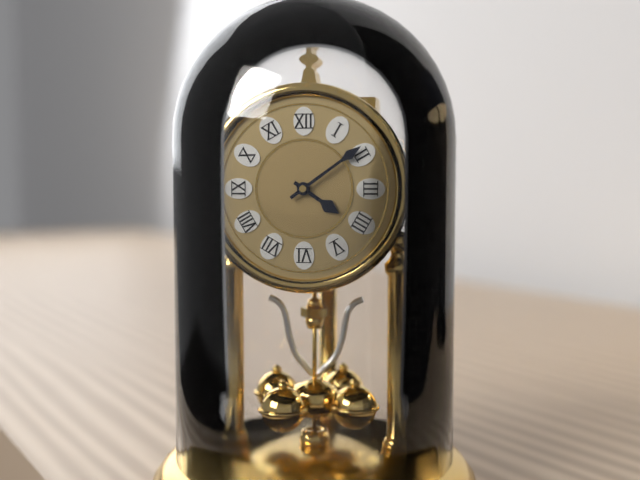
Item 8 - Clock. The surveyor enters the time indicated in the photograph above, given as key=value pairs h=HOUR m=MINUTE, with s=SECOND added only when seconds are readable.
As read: h=4 m=9
